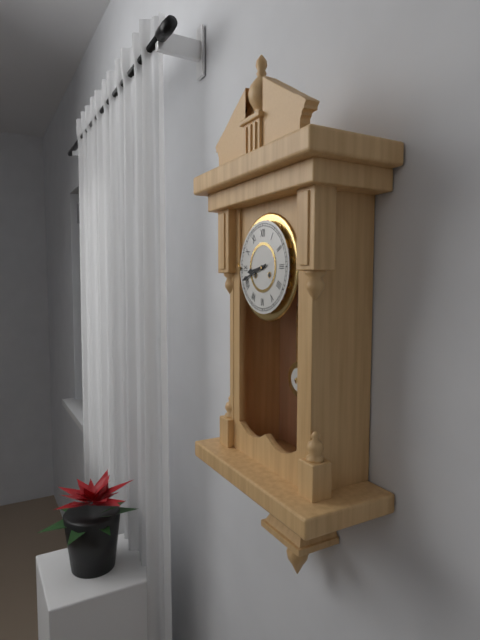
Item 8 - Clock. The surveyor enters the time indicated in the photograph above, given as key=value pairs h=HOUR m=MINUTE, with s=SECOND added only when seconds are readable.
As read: h=8 m=42
